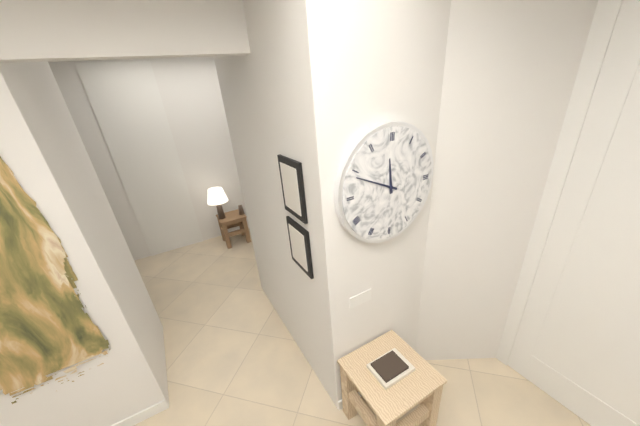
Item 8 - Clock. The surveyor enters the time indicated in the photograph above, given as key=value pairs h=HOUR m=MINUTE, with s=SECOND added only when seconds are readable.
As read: h=11 m=49
